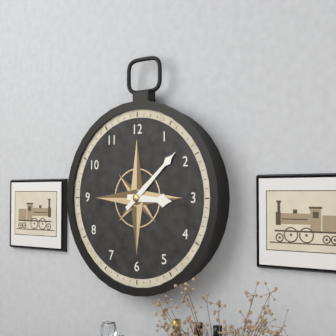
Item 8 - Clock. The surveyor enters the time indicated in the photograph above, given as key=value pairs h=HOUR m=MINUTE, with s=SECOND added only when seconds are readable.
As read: h=3 m=8
